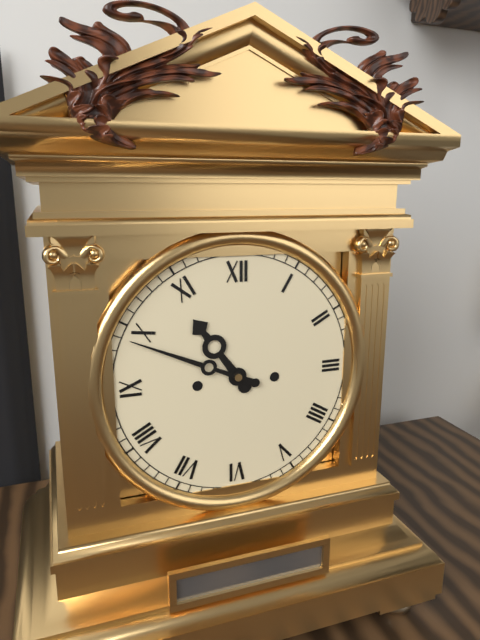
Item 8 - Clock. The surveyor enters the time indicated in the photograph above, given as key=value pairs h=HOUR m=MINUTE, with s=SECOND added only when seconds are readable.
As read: h=10 m=49
